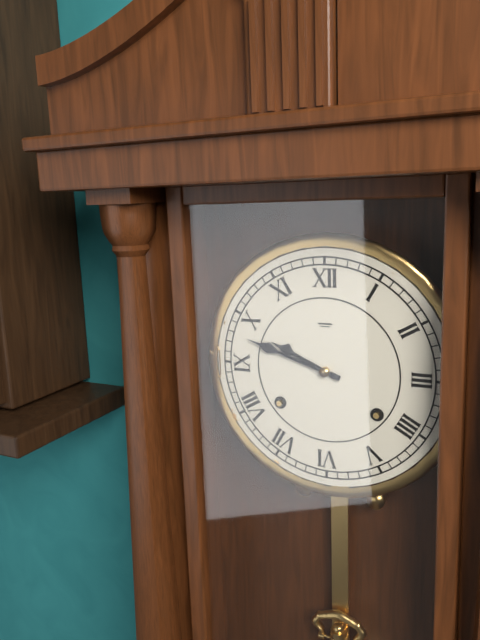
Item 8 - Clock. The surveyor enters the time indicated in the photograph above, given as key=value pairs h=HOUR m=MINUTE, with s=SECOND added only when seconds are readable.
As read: h=9 m=48
